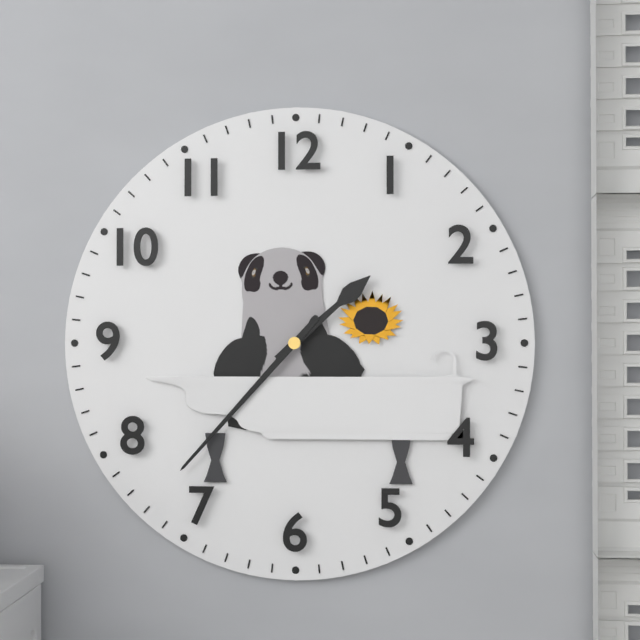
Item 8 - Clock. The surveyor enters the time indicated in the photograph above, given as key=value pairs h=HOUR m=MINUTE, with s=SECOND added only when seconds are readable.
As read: h=1 m=37
